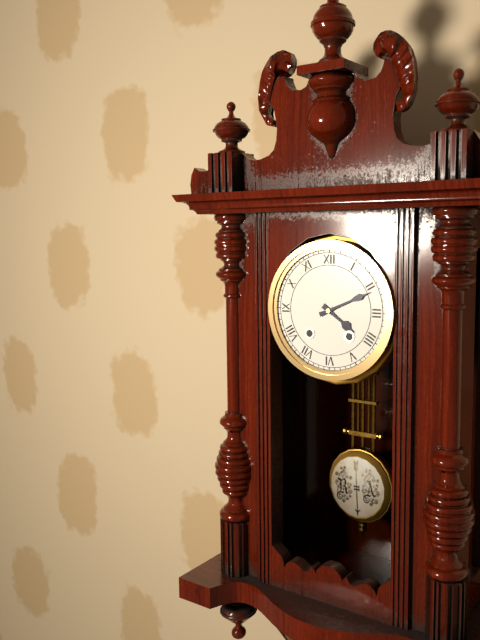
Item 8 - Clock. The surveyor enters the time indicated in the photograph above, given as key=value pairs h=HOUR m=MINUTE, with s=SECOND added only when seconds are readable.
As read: h=4 m=11
